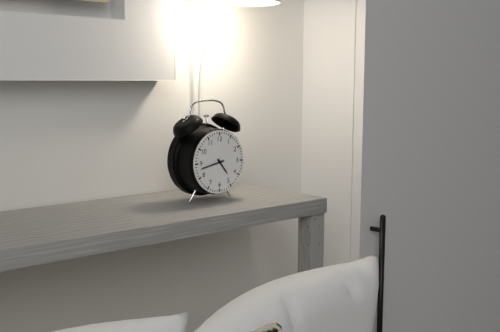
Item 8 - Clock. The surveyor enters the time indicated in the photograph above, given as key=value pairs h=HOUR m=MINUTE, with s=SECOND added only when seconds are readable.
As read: h=4 m=43
